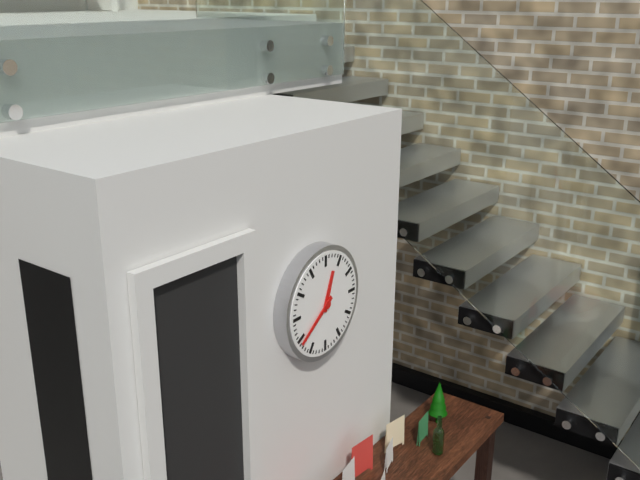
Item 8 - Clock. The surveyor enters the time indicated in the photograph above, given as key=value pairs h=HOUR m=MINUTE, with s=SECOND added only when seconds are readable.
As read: h=12 m=39
